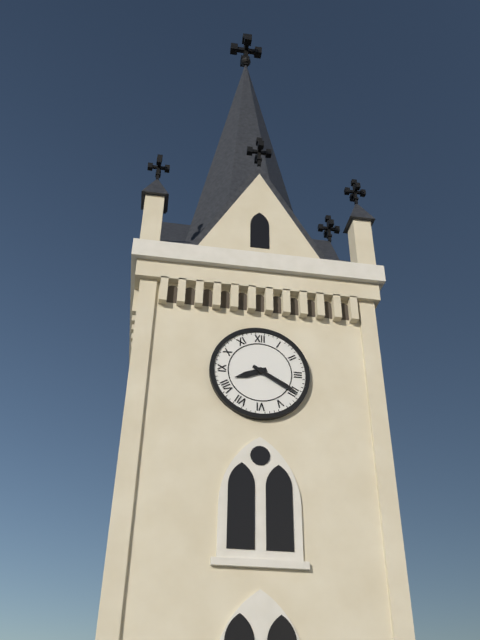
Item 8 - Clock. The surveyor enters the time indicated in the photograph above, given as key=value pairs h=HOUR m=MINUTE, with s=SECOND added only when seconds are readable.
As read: h=8 m=20
